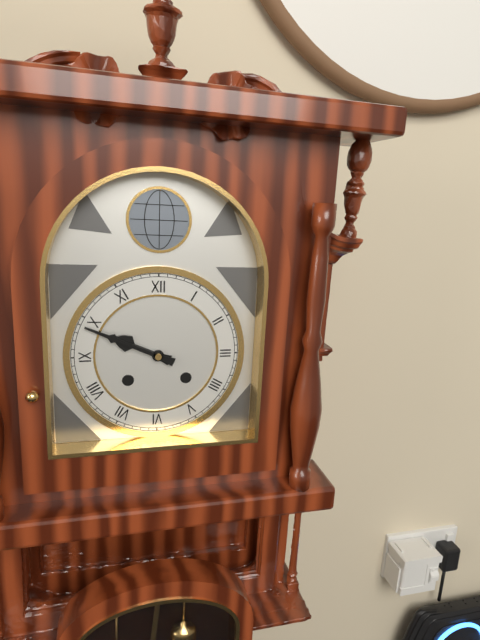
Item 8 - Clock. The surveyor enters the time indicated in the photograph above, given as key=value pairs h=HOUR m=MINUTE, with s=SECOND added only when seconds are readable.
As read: h=9 m=49
